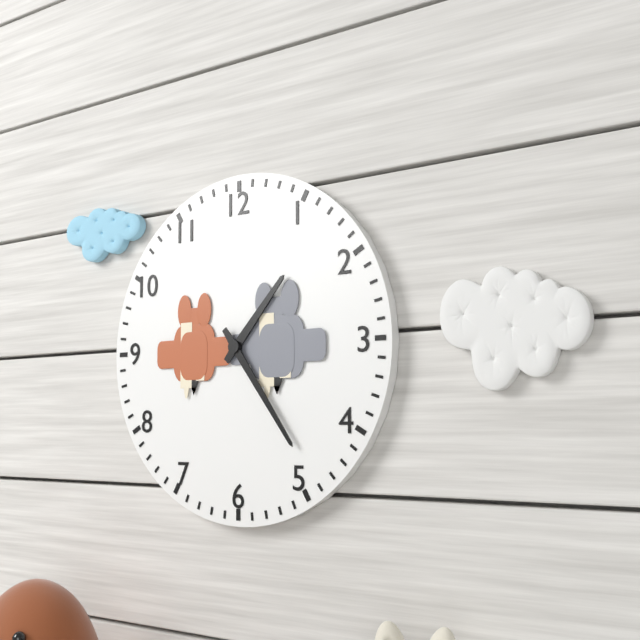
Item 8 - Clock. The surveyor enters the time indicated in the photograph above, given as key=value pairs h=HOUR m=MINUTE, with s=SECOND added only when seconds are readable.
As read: h=1 m=24
